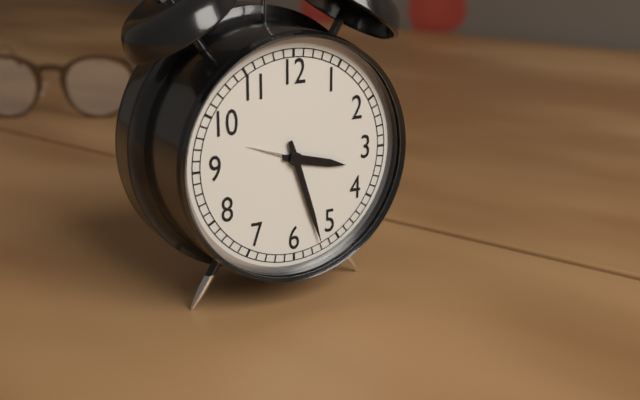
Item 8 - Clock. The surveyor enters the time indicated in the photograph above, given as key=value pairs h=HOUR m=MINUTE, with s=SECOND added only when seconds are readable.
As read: h=3 m=27
